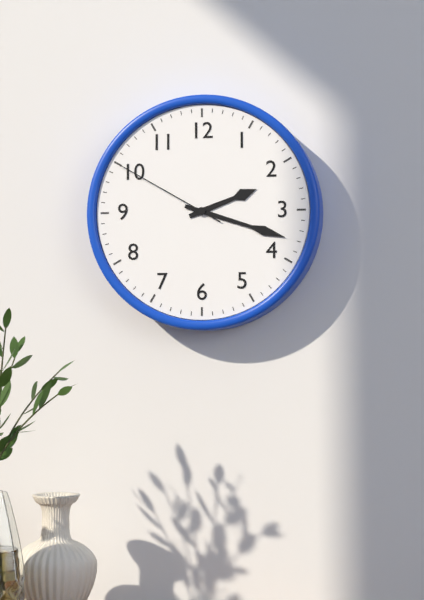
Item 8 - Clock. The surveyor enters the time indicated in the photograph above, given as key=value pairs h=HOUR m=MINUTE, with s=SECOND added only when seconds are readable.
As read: h=2 m=18 s=50
